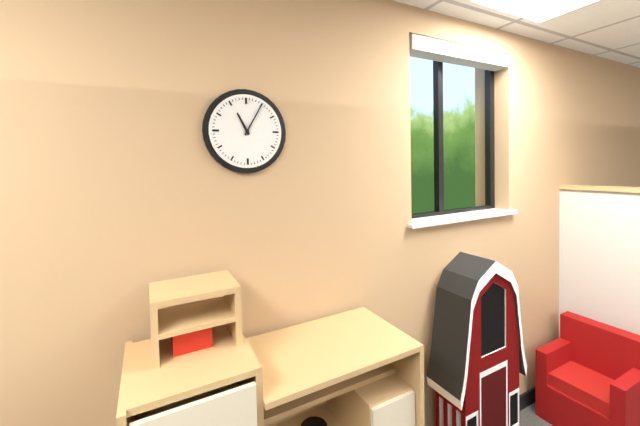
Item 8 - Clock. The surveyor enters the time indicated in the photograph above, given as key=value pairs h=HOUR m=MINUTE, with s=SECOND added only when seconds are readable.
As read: h=11 m=5
